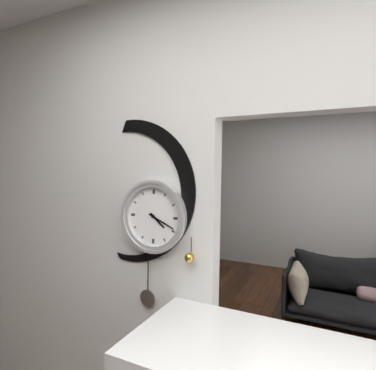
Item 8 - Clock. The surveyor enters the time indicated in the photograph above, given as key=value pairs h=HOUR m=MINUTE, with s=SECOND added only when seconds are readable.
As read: h=4 m=19
